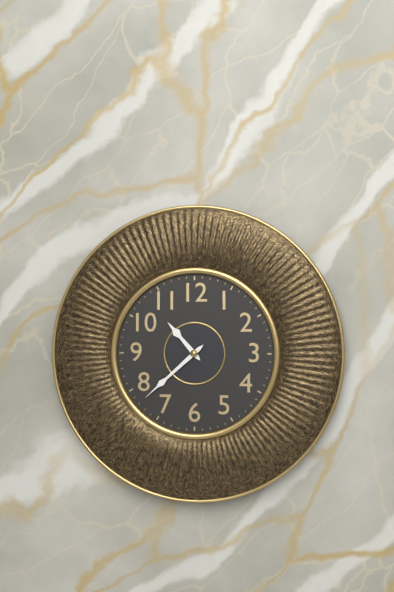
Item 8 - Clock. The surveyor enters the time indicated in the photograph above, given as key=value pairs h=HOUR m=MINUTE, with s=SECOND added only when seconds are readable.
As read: h=10 m=38
